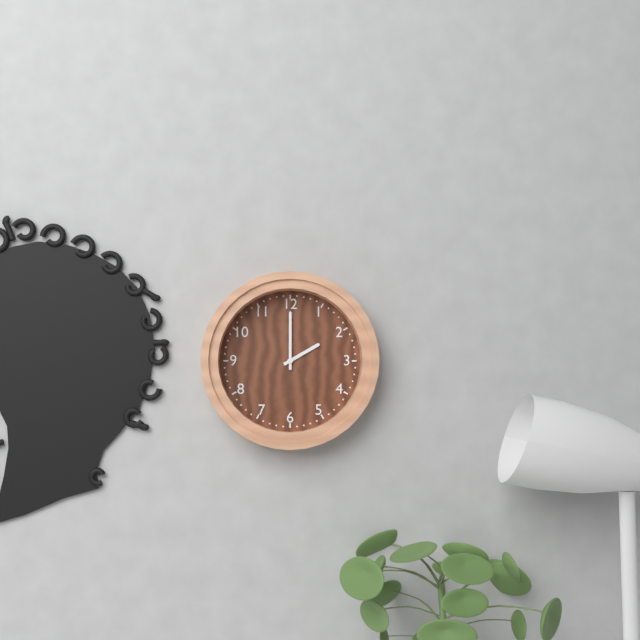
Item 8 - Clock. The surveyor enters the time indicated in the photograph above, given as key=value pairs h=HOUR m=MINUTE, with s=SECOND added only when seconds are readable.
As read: h=2 m=0
